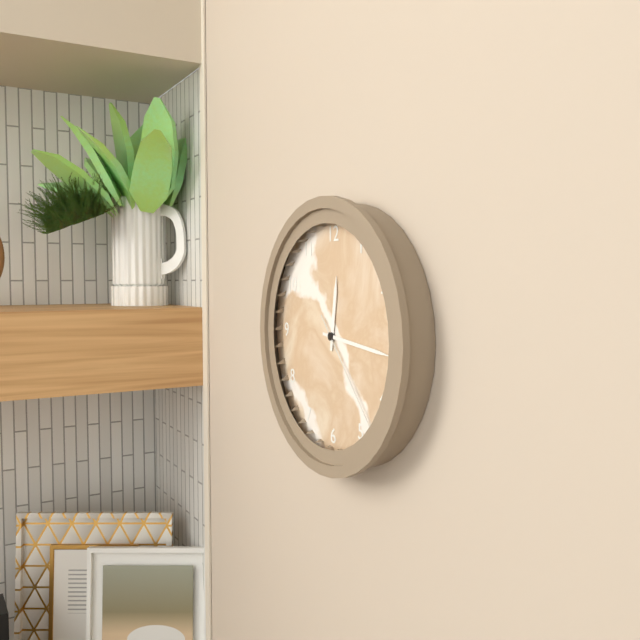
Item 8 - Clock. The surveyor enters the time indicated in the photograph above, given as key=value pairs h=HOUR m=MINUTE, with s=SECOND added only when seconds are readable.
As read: h=12 m=16 s=23
